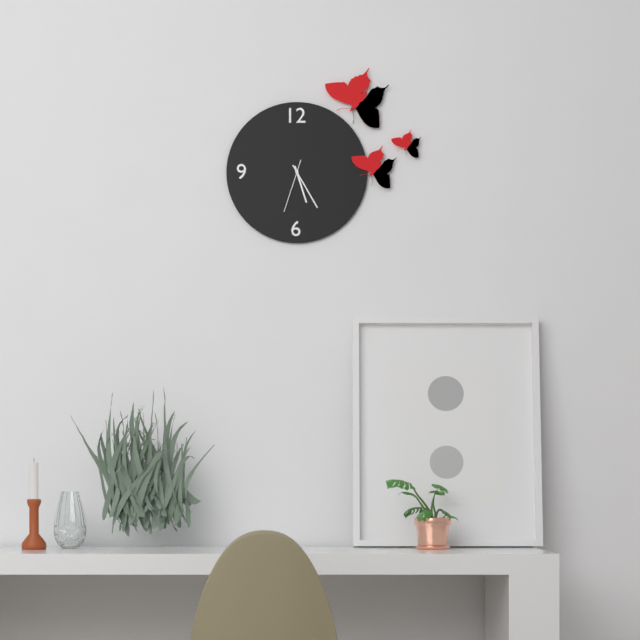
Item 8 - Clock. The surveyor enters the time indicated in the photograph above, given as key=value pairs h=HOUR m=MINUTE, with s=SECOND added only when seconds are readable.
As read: h=5 m=25 s=33
